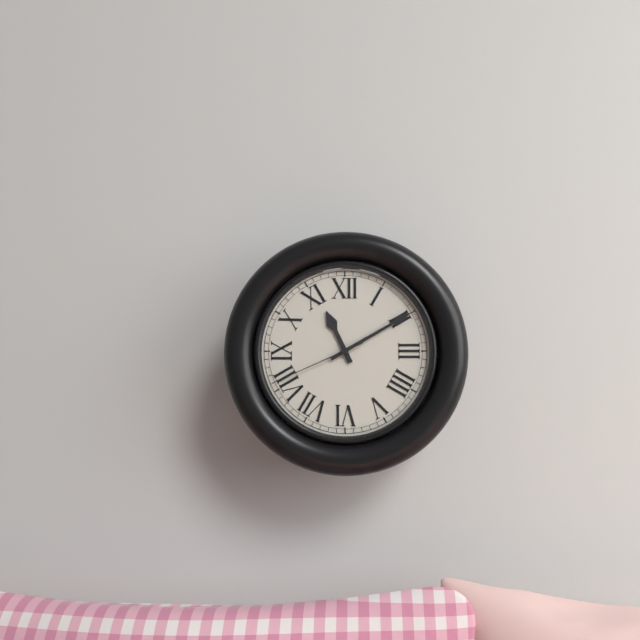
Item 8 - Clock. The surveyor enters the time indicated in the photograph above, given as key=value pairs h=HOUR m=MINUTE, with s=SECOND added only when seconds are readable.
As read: h=11 m=10 s=41
